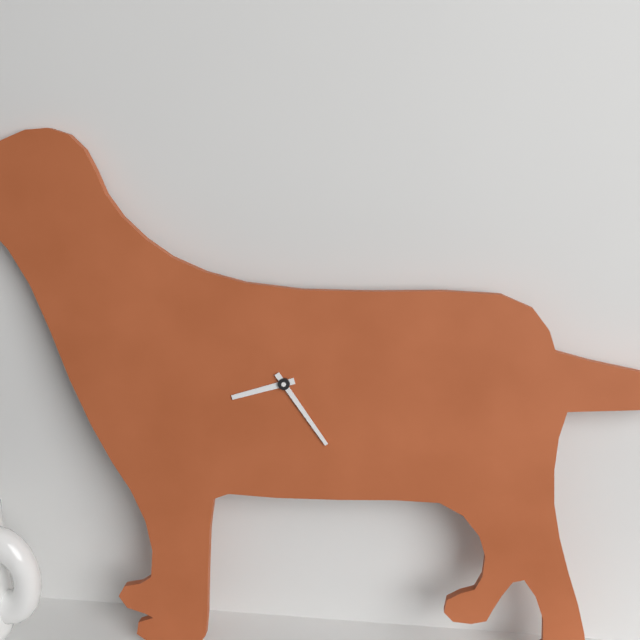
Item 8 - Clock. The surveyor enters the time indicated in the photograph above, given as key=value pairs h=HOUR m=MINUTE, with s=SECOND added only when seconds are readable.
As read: h=8 m=24
